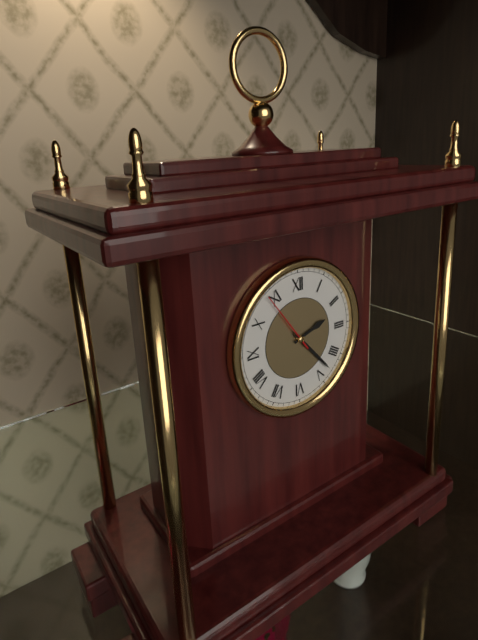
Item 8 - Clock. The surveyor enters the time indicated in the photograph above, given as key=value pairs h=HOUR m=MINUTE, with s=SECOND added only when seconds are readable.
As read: h=2 m=23 s=54
